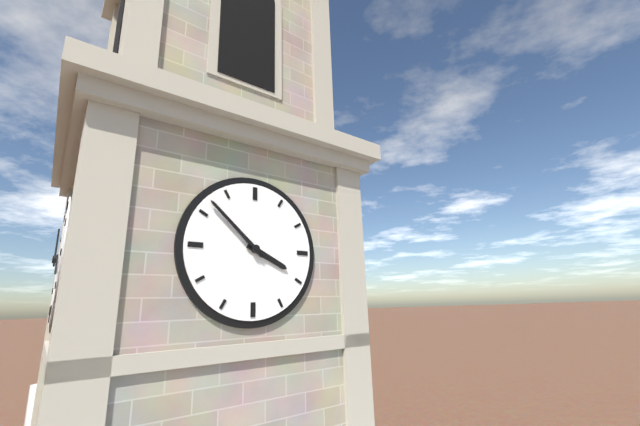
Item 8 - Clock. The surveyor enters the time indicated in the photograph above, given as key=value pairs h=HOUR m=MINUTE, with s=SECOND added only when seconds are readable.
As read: h=3 m=52
